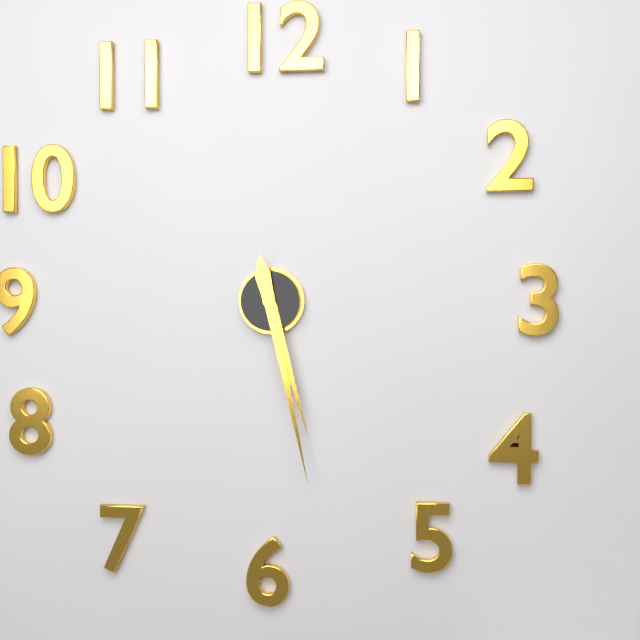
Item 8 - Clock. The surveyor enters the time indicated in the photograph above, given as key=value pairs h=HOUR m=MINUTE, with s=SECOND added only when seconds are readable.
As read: h=5 m=28
